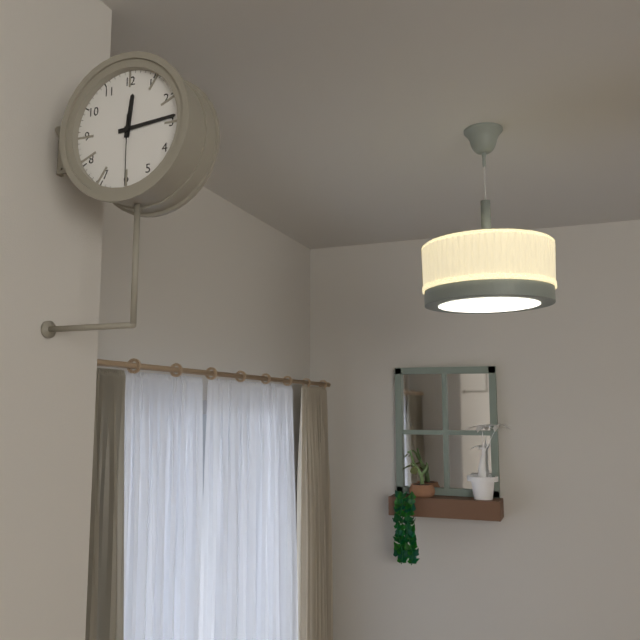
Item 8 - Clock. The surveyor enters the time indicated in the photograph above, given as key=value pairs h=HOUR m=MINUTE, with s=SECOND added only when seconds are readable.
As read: h=12 m=14 s=30
